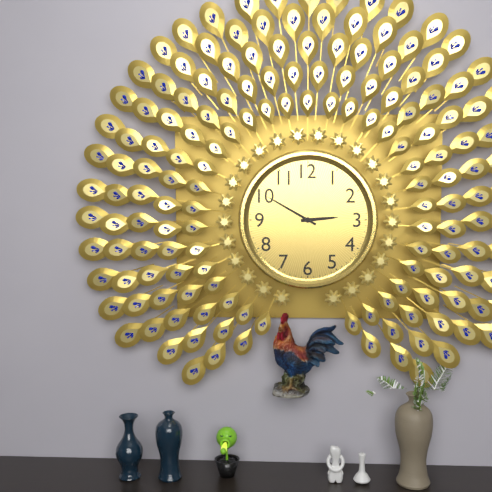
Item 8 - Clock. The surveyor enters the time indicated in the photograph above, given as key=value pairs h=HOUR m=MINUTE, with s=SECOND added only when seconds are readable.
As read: h=2 m=50
